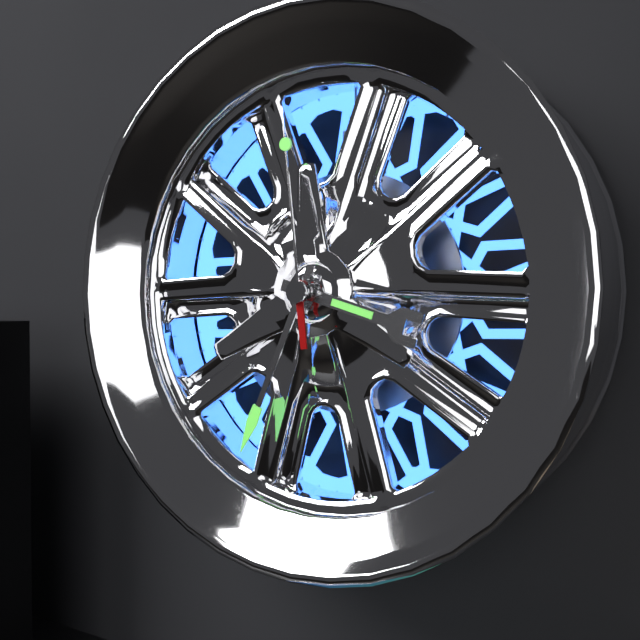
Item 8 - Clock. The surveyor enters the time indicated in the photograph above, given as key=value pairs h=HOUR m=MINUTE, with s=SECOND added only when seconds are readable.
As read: h=3 m=34 s=59
